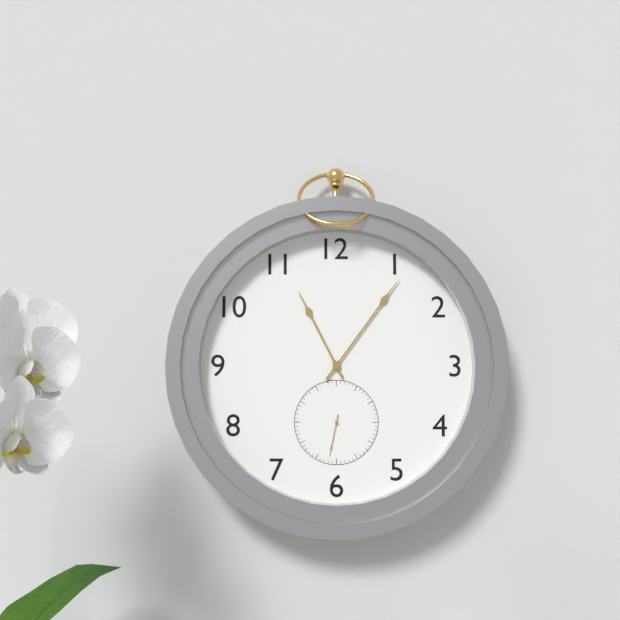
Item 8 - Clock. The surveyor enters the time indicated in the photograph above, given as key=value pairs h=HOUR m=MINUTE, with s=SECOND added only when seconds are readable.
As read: h=11 m=6
